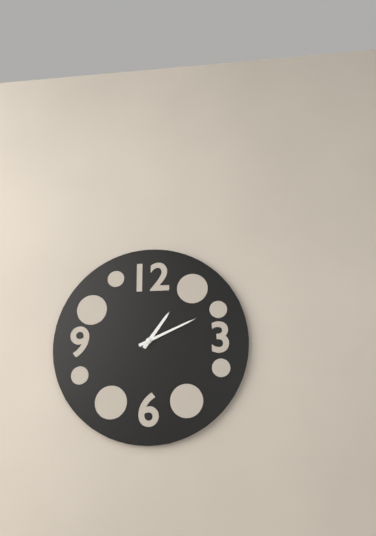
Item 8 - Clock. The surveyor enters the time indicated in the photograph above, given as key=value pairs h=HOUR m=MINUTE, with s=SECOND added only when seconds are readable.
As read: h=1 m=11
